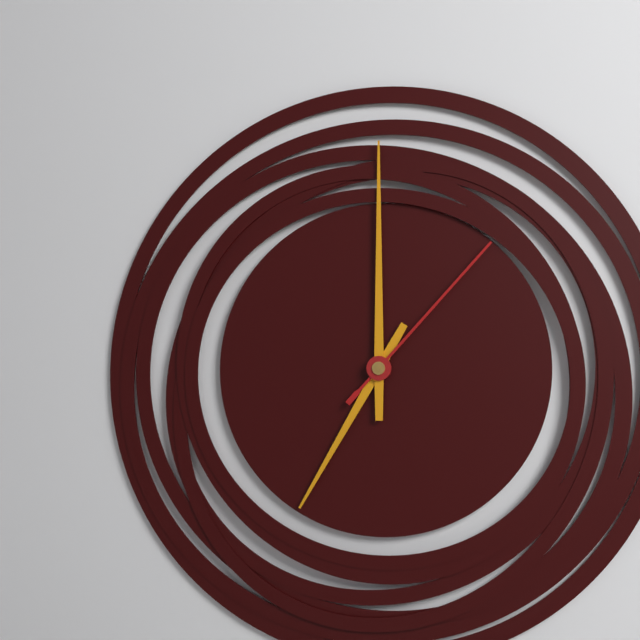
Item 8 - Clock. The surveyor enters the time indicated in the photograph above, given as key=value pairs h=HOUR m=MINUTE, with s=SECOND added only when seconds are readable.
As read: h=7 m=0 s=7
